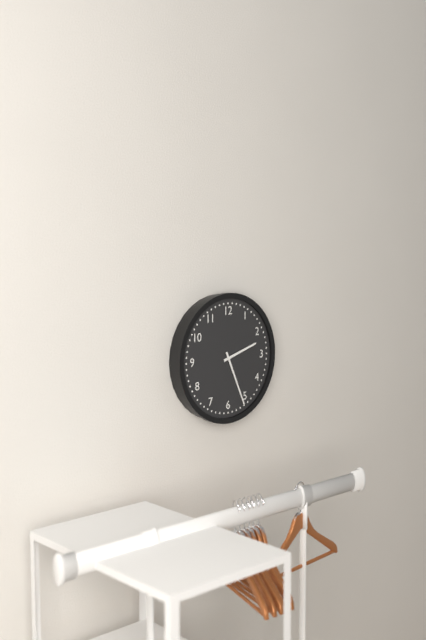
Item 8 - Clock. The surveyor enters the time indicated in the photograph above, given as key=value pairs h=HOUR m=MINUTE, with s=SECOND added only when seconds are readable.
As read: h=2 m=26
